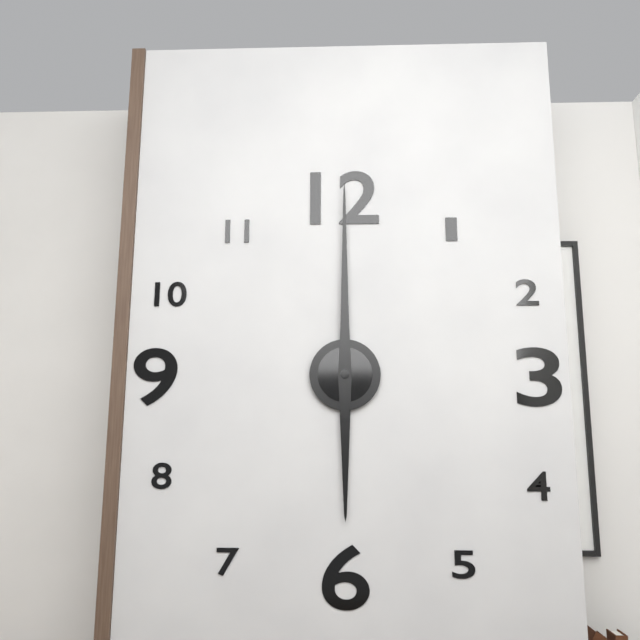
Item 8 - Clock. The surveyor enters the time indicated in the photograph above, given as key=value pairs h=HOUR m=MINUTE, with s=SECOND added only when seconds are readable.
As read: h=6 m=0
